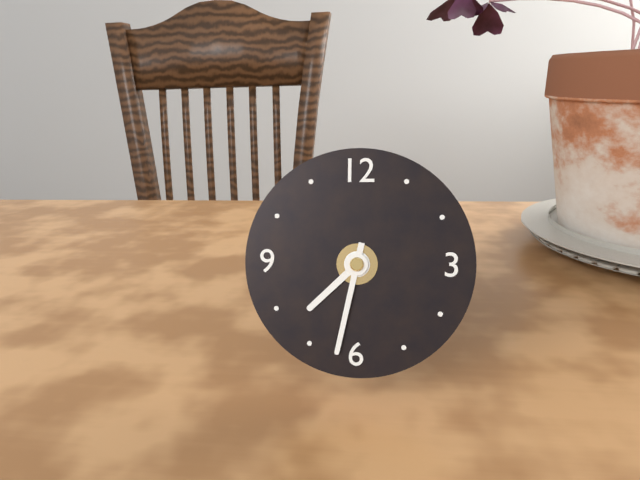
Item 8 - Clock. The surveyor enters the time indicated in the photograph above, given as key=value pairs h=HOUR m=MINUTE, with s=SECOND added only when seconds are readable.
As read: h=7 m=32
